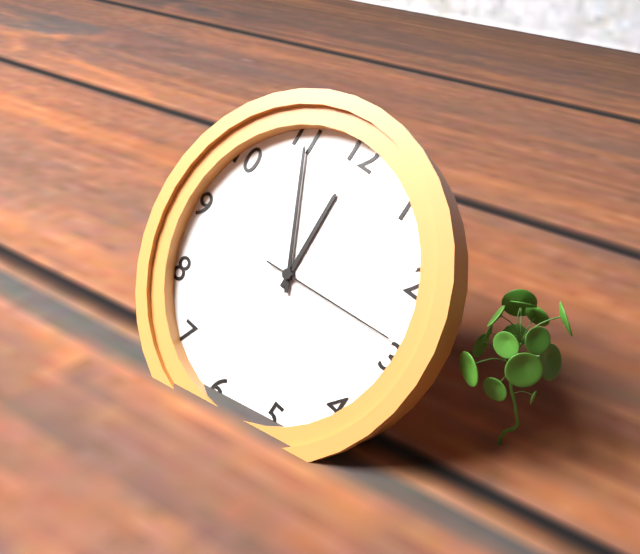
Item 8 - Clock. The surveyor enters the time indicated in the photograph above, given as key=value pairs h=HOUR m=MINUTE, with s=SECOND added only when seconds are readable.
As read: h=11 m=55 s=14
